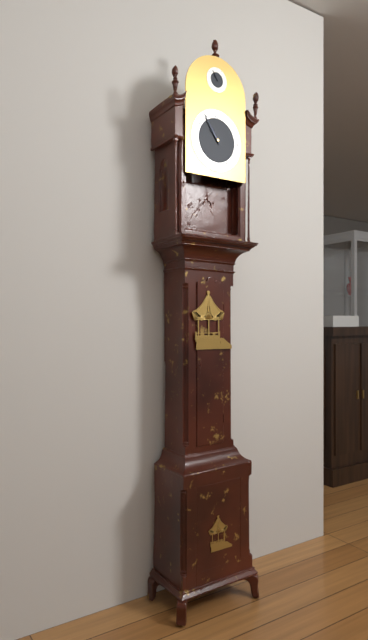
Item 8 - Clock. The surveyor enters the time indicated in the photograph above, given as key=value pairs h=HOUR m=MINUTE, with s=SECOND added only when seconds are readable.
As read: h=10 m=54
